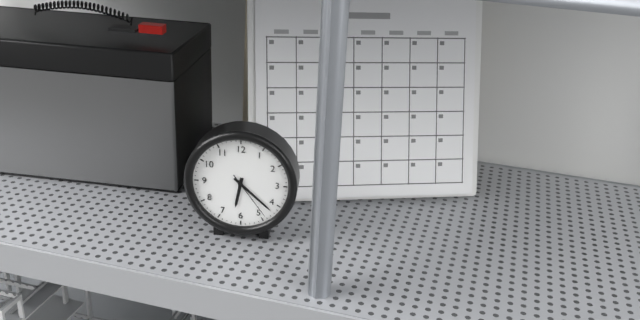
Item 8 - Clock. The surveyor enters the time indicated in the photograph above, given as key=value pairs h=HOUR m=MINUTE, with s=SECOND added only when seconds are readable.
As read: h=6 m=22 s=24
